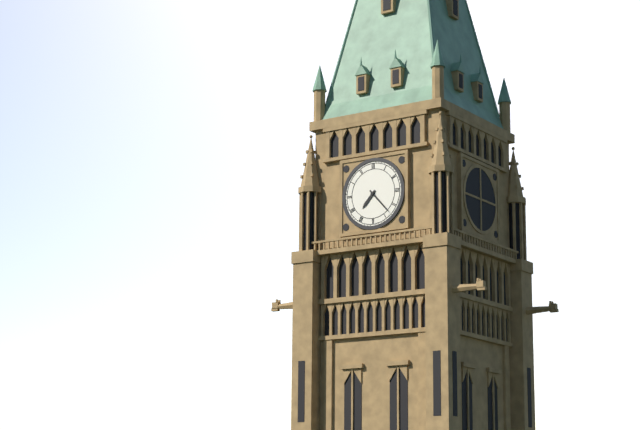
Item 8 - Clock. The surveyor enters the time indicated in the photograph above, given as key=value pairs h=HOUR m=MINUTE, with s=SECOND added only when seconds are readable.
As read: h=7 m=23
